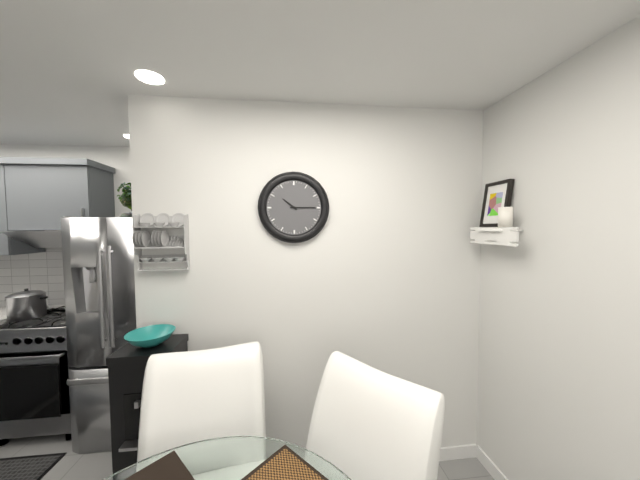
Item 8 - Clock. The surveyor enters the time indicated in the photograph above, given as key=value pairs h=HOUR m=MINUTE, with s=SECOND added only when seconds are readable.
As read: h=10 m=15
